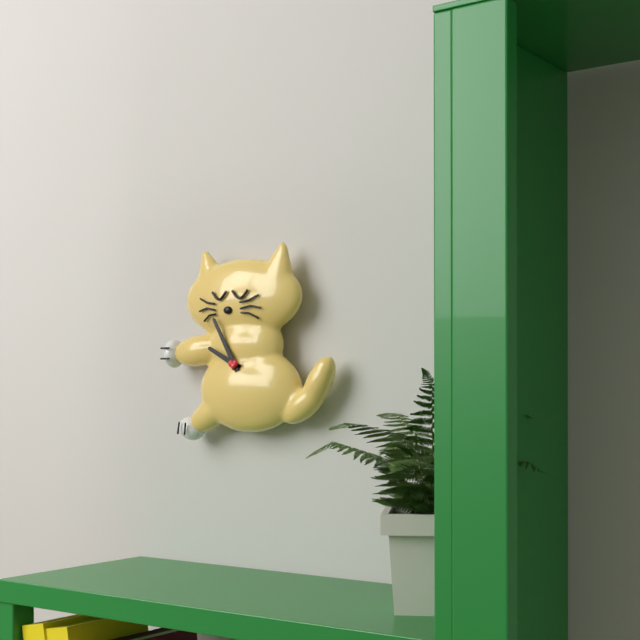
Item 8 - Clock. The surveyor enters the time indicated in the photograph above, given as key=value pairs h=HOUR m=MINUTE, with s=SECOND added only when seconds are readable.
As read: h=9 m=55
